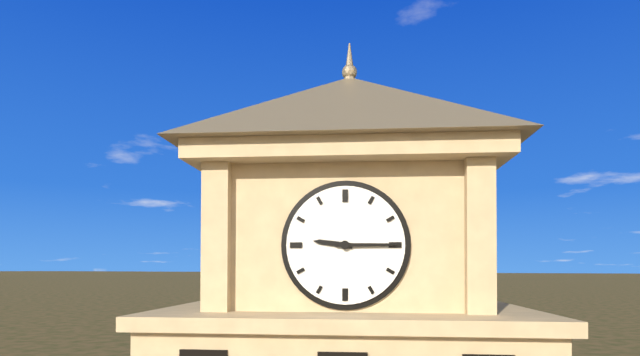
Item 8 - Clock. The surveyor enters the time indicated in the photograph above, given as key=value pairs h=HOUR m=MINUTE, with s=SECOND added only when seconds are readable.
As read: h=9 m=15
